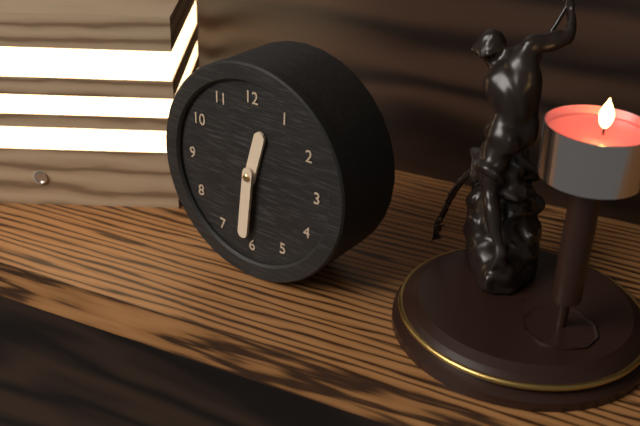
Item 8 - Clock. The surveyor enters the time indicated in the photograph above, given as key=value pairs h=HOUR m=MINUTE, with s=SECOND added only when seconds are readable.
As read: h=12 m=31
